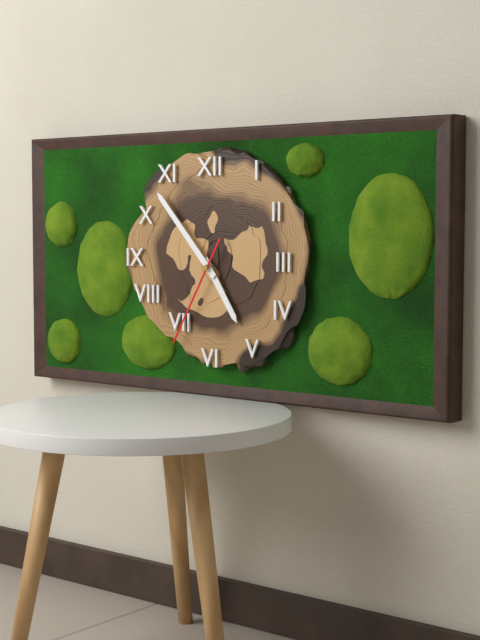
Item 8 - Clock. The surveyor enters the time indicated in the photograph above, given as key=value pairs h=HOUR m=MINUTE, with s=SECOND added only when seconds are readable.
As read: h=4 m=53 s=35
